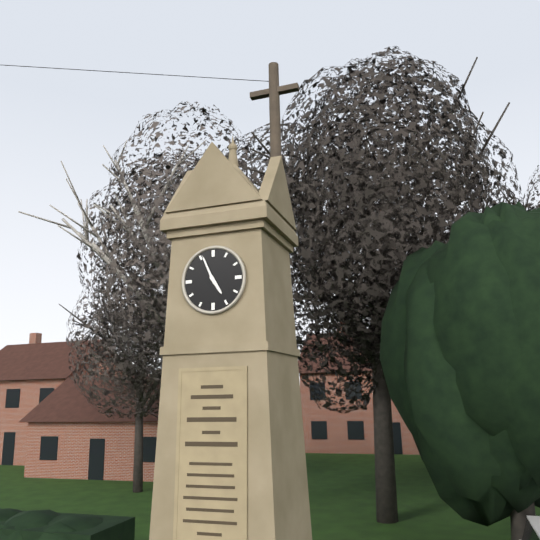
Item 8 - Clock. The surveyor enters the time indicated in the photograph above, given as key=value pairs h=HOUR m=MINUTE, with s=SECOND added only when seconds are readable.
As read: h=4 m=56
